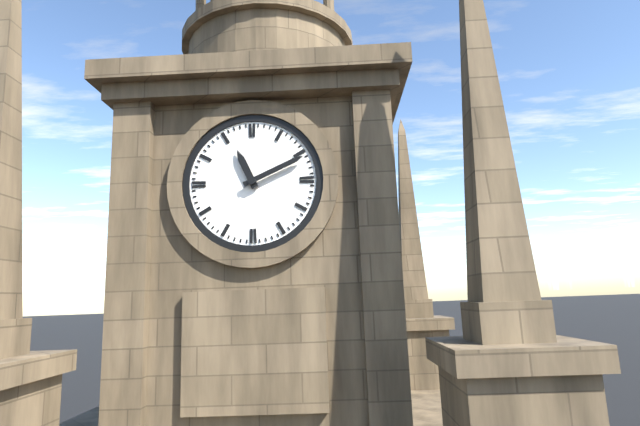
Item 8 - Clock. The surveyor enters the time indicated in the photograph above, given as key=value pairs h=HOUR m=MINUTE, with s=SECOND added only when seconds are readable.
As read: h=11 m=11
